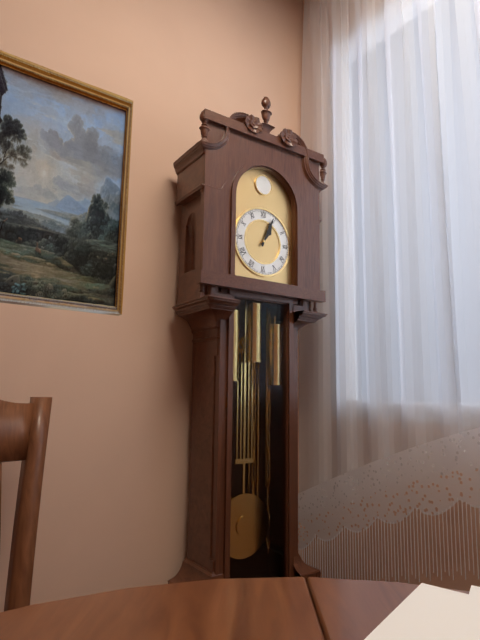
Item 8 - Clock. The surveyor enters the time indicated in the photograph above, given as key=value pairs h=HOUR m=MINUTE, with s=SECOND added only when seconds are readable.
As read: h=1 m=4
